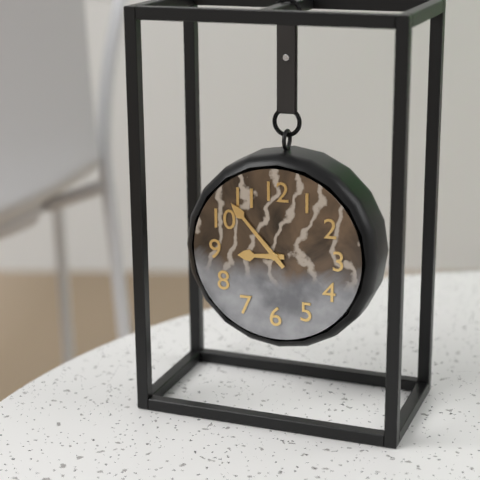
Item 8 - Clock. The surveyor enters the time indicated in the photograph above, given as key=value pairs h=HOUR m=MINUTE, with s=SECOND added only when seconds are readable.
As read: h=8 m=53
